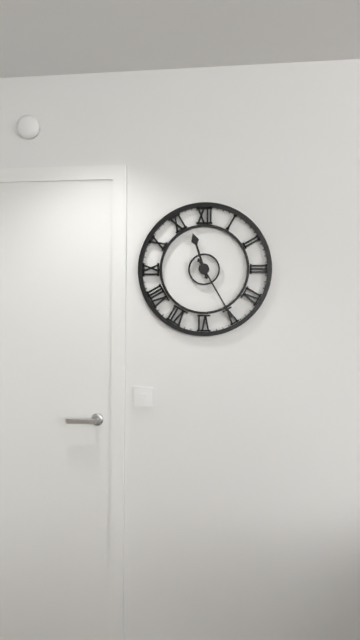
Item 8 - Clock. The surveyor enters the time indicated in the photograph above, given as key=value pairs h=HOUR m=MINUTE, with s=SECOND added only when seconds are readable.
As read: h=11 m=25
